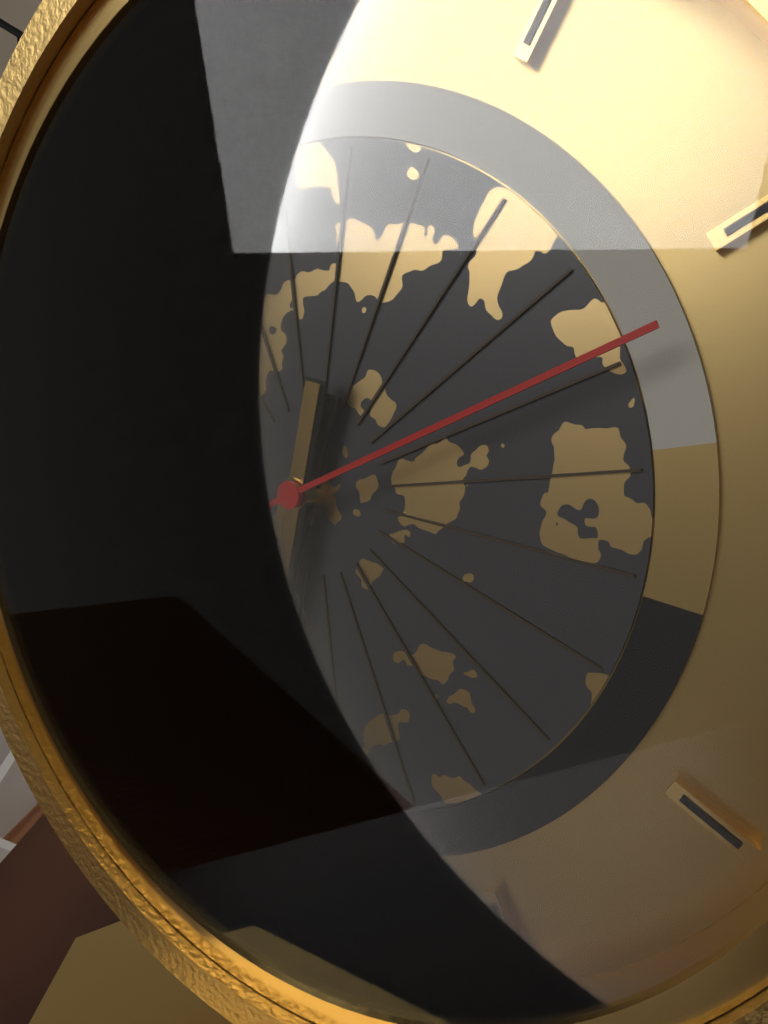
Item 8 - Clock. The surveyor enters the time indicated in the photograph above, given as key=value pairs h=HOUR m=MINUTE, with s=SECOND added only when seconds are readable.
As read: h=6 m=32 s=11
